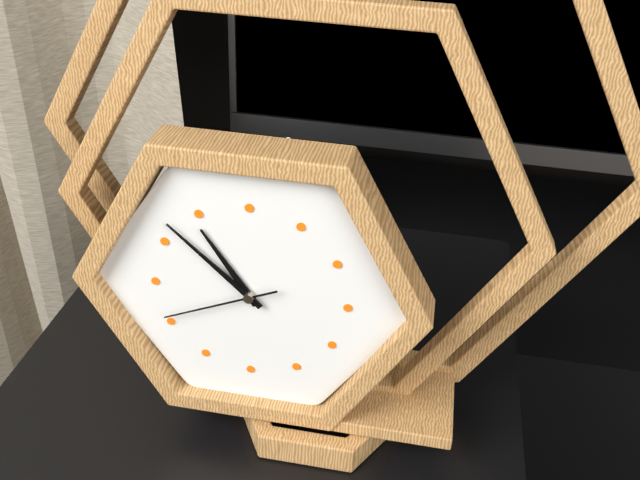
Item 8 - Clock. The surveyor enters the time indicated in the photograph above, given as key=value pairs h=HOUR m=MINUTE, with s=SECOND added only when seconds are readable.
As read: h=10 m=52 s=41
